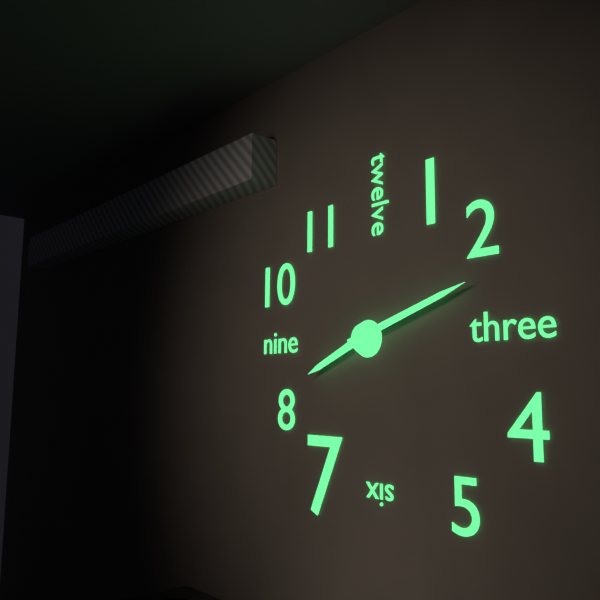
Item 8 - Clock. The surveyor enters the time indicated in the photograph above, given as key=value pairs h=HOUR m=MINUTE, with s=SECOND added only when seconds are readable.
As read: h=8 m=12
